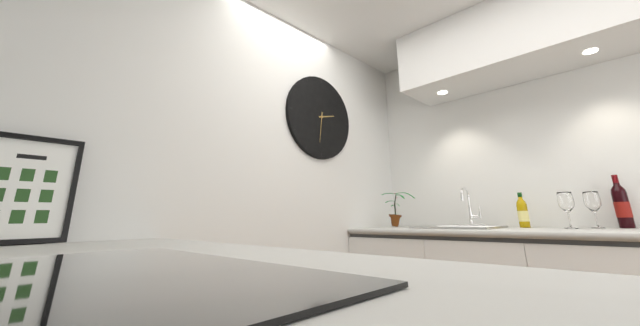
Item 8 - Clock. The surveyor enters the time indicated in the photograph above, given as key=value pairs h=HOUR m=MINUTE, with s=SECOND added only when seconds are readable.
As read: h=2 m=31
